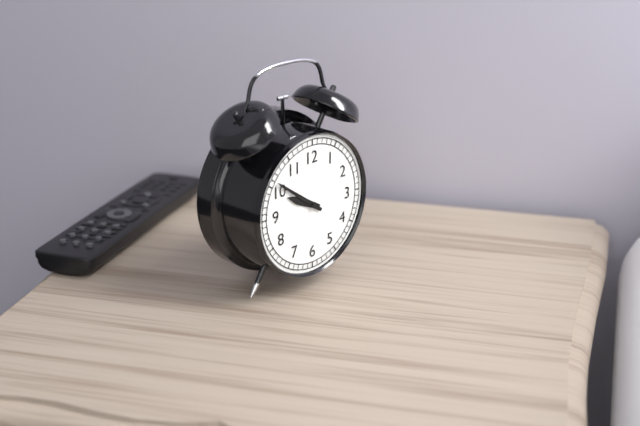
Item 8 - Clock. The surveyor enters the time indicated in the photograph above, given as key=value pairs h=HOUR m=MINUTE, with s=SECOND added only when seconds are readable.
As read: h=9 m=51
